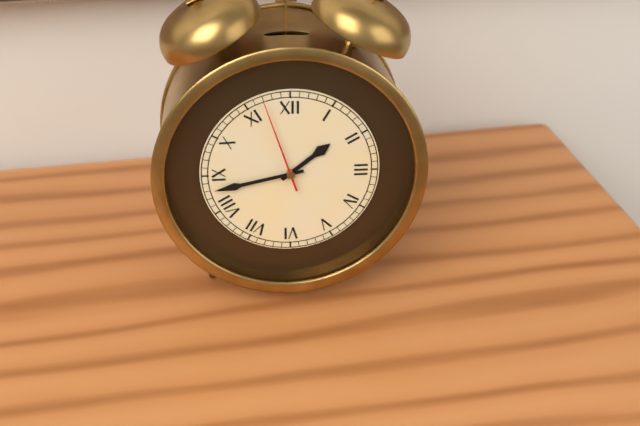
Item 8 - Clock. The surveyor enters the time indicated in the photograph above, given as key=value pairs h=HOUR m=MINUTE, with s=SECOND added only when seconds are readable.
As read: h=1 m=43 s=57
